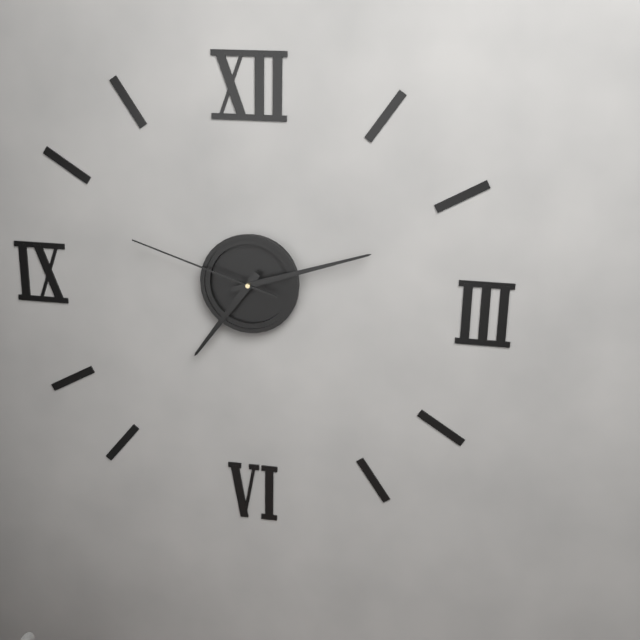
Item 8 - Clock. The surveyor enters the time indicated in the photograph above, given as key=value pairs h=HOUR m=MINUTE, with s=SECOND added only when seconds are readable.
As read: h=7 m=12 s=48
